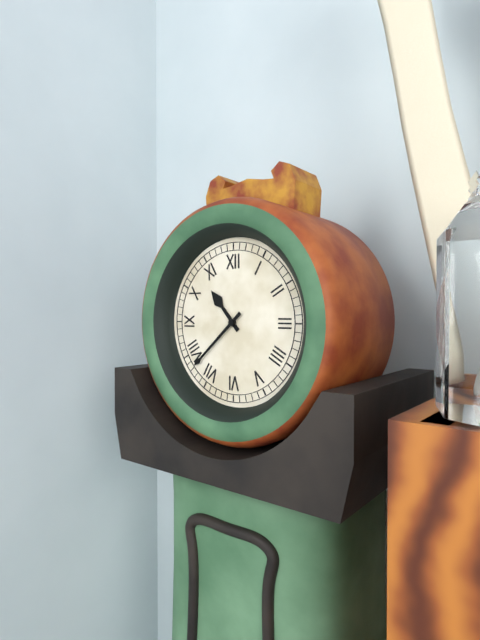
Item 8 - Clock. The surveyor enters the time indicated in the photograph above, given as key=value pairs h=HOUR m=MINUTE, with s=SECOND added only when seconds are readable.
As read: h=10 m=38
